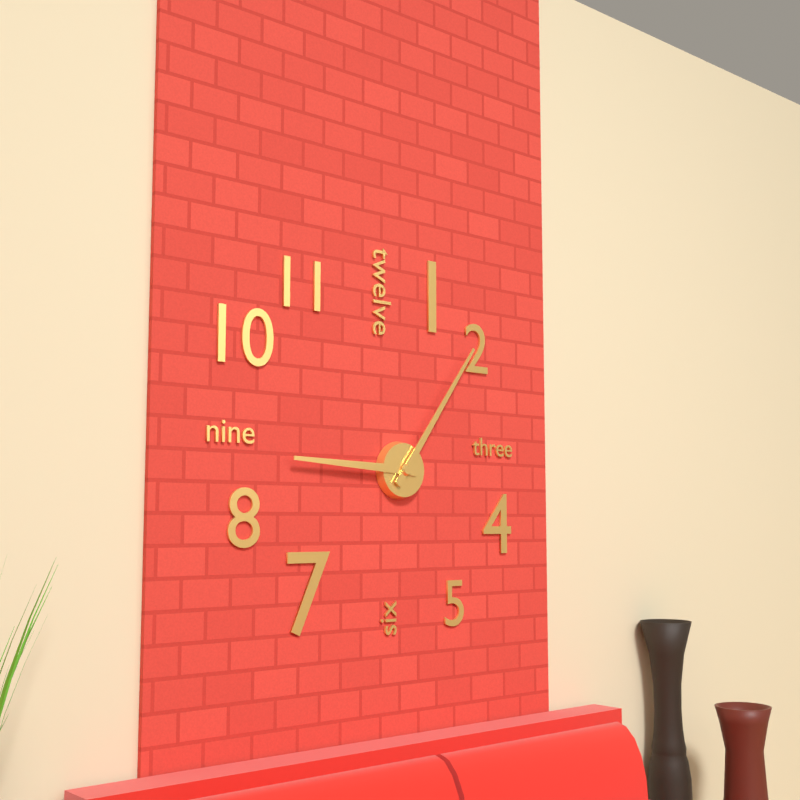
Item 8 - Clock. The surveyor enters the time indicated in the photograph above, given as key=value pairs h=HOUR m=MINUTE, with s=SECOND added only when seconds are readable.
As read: h=9 m=6
